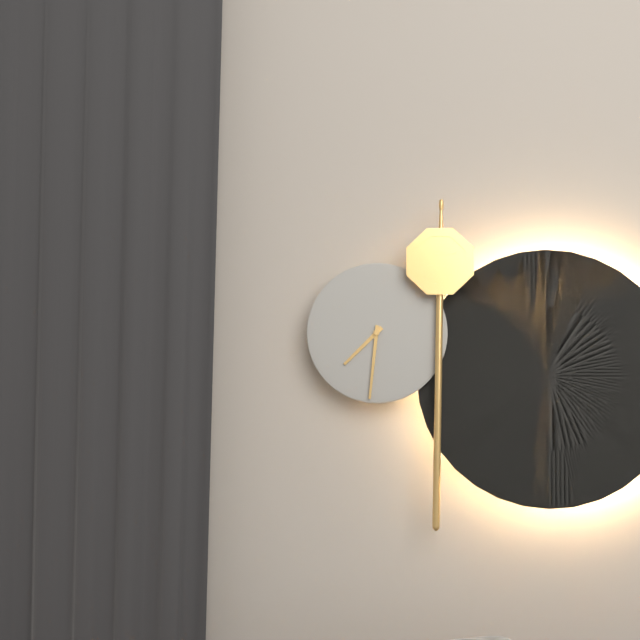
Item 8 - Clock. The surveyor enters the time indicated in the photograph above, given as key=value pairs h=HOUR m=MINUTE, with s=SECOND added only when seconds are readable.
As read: h=7 m=31
